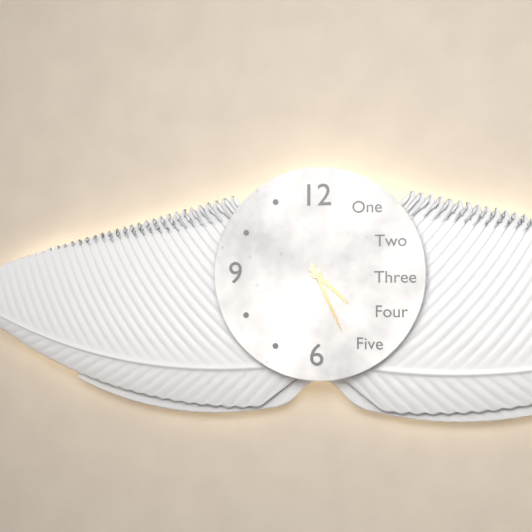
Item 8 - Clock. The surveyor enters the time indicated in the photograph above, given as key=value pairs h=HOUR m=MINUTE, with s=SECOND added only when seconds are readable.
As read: h=4 m=26
